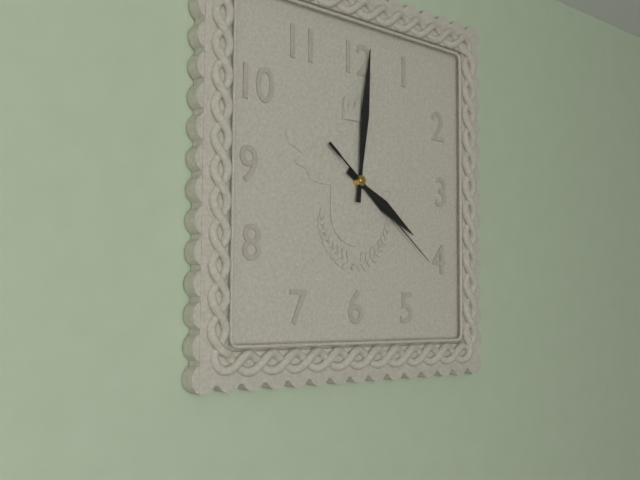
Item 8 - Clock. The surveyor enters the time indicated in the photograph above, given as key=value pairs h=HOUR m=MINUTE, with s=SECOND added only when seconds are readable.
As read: h=4 m=1 s=21
